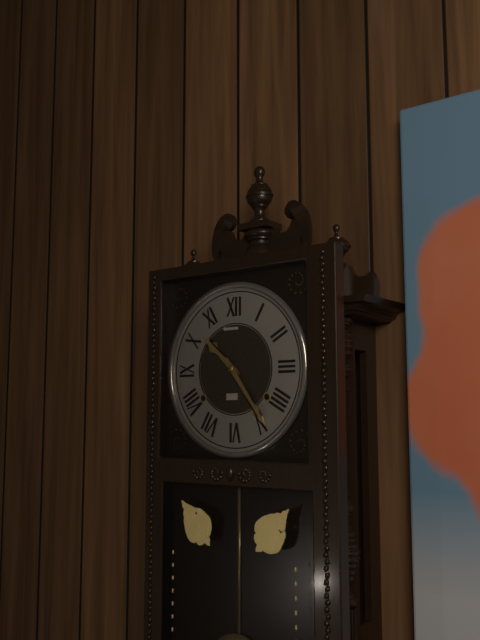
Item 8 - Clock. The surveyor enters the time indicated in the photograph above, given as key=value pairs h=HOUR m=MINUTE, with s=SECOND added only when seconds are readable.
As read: h=10 m=24
